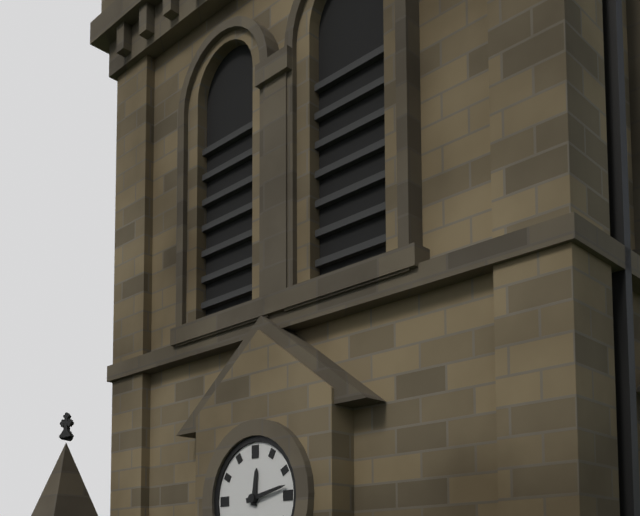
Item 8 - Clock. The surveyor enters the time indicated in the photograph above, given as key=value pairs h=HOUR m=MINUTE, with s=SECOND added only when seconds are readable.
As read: h=12 m=13
